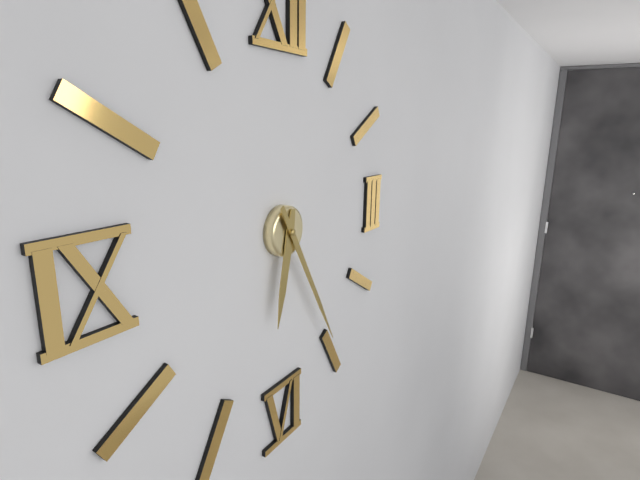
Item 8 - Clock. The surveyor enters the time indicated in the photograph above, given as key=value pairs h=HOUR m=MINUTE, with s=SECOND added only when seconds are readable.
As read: h=6 m=25
